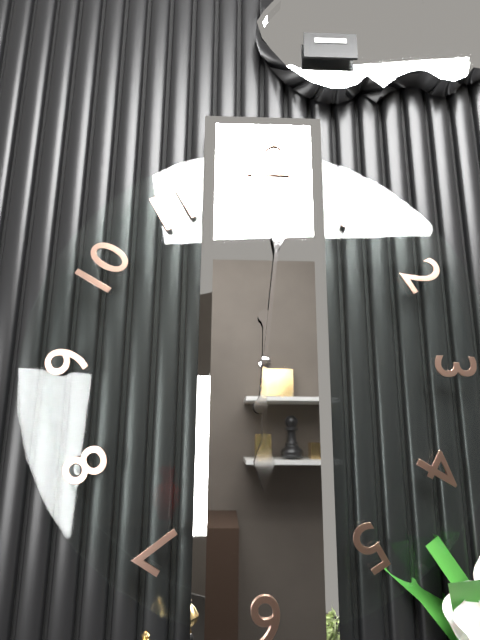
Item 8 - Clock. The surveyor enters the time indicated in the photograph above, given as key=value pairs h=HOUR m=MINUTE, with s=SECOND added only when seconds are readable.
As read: h=6 m=1
